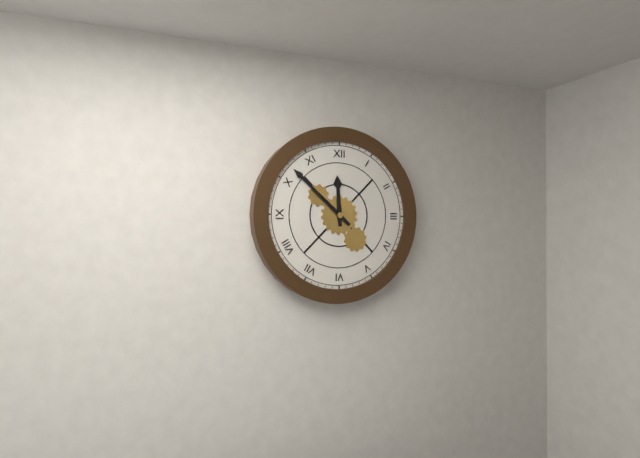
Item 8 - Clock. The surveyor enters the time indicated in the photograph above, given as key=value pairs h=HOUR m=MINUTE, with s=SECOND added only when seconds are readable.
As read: h=11 m=52
